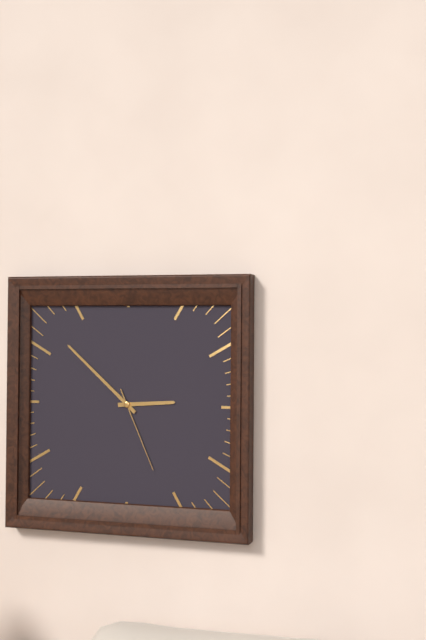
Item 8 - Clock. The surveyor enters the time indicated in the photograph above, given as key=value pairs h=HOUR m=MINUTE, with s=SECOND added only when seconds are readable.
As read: h=2 m=52 s=26
